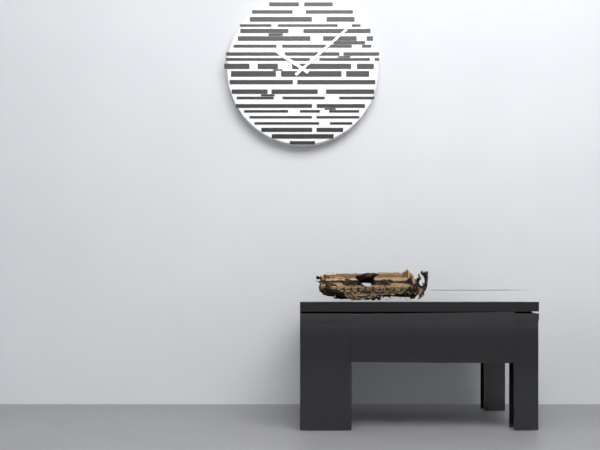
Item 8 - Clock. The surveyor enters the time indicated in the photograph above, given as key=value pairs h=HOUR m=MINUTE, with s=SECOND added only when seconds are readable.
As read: h=10 m=8
